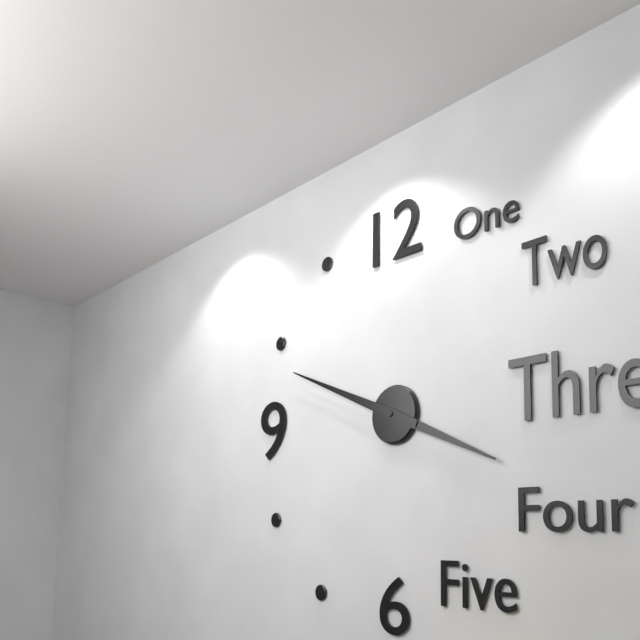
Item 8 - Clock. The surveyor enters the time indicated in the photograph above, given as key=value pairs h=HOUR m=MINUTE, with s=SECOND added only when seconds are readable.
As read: h=3 m=49
